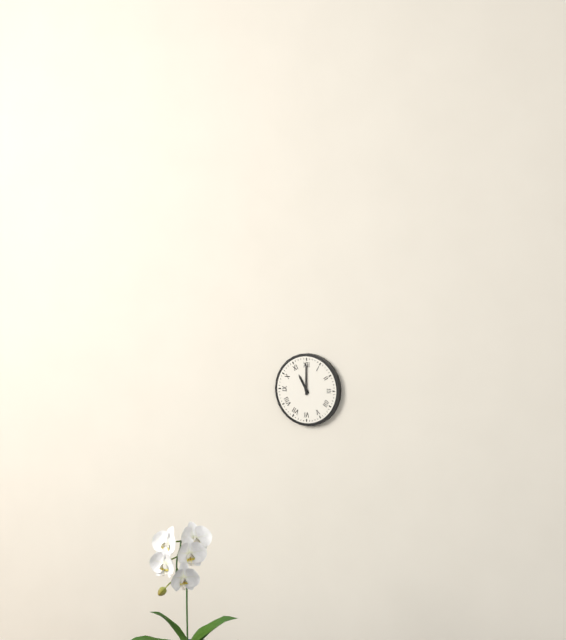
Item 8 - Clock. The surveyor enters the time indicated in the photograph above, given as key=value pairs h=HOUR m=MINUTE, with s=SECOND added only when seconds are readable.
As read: h=11 m=0
